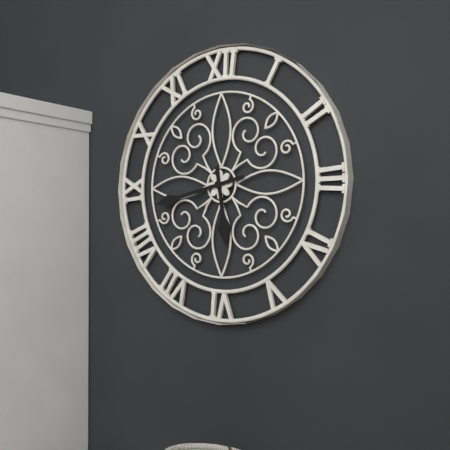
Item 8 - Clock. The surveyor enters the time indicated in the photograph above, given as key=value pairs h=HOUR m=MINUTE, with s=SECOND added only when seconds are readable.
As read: h=5 m=43
